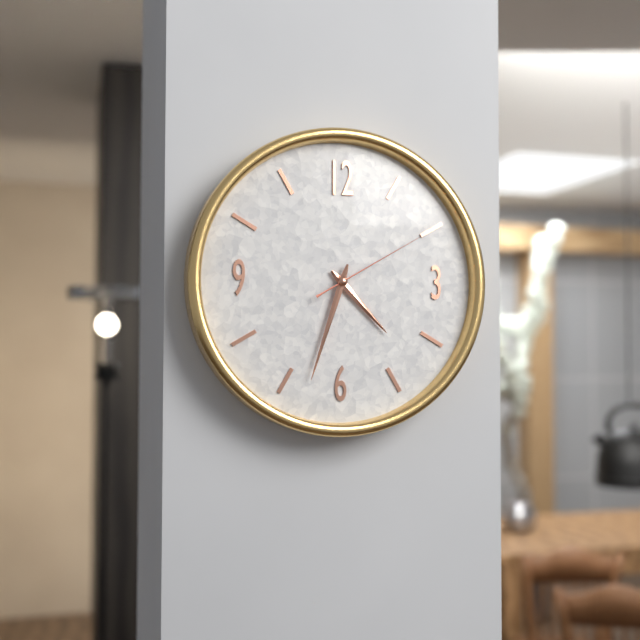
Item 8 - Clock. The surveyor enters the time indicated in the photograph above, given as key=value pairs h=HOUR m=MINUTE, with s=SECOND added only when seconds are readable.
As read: h=4 m=33 s=10
